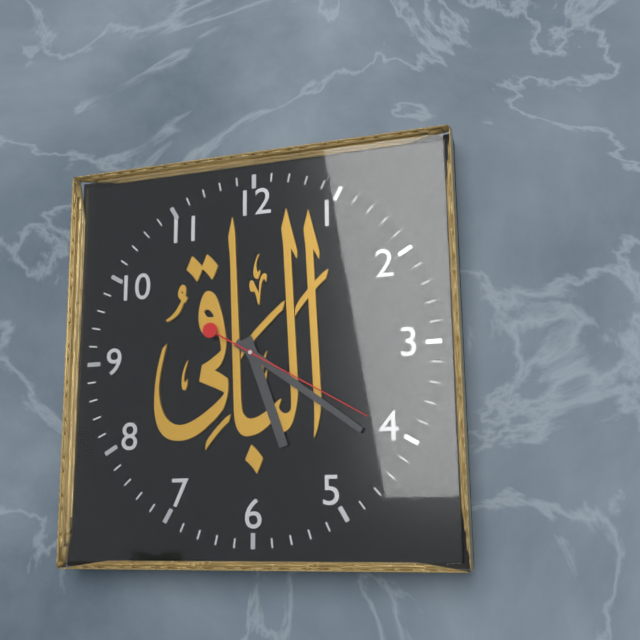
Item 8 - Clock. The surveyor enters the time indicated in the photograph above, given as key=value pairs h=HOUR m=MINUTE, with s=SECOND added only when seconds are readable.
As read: h=5 m=21 s=20
